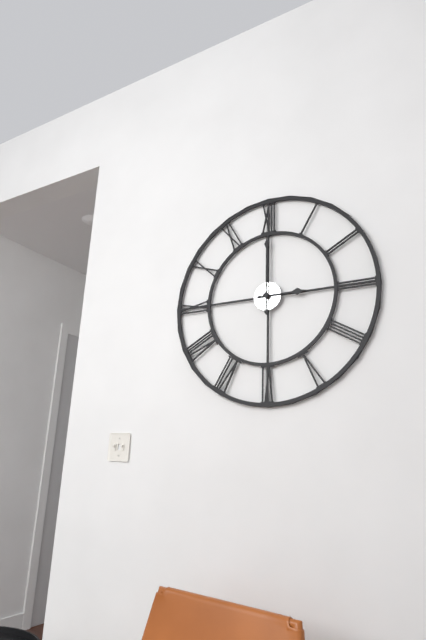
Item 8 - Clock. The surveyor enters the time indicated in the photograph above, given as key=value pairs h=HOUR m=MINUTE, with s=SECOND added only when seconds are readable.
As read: h=3 m=0
